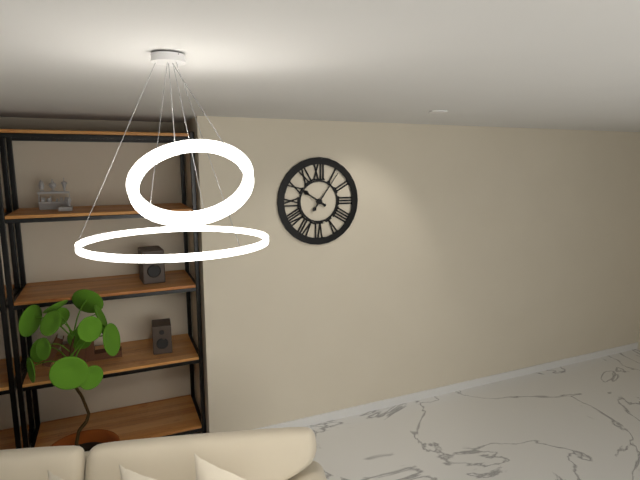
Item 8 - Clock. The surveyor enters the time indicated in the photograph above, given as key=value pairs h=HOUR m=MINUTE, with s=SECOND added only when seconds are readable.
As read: h=10 m=6
